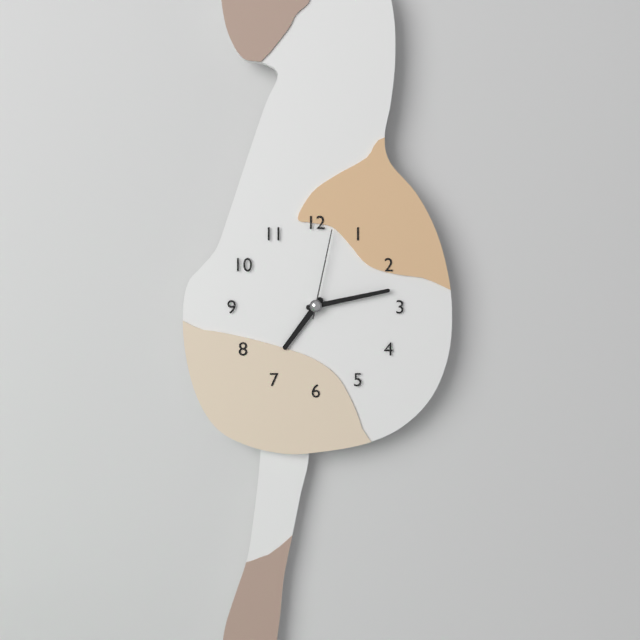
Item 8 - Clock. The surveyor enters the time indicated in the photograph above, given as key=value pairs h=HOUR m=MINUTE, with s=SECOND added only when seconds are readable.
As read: h=7 m=13 s=2
